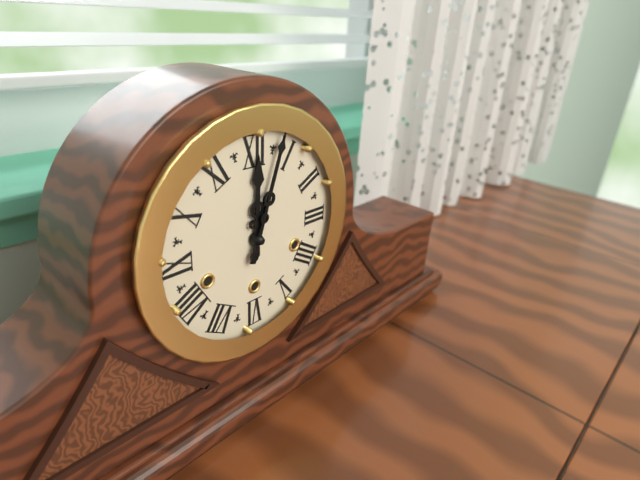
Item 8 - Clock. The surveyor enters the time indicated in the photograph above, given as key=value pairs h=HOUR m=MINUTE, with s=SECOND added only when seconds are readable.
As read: h=12 m=3
